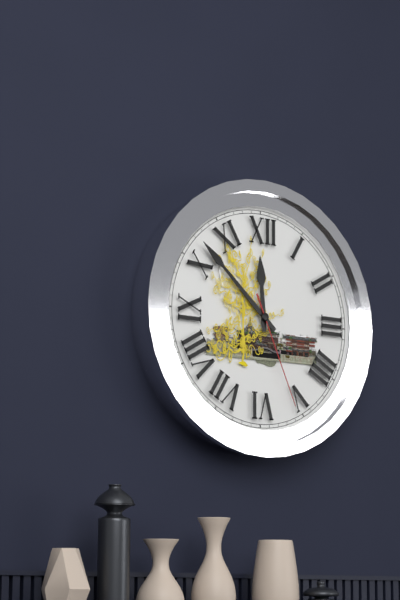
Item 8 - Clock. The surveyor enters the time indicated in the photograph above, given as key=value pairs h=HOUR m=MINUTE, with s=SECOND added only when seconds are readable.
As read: h=11 m=52 s=26
